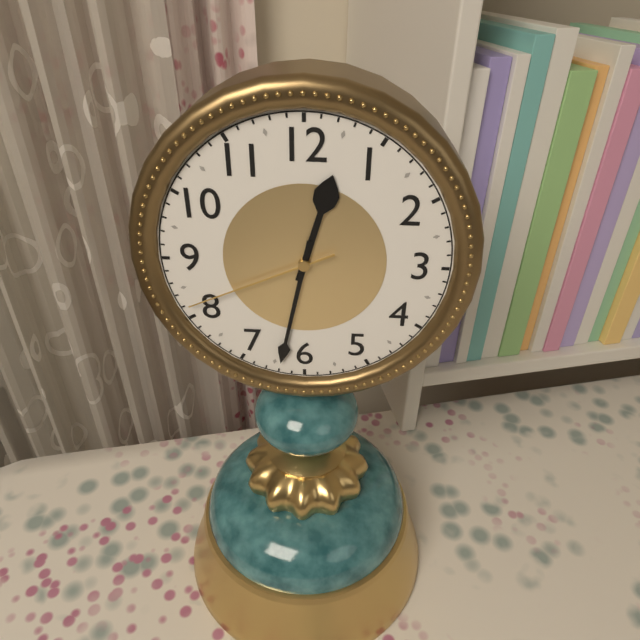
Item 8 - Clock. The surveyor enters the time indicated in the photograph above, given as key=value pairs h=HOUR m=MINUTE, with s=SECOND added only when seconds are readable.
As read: h=12 m=32 s=41
